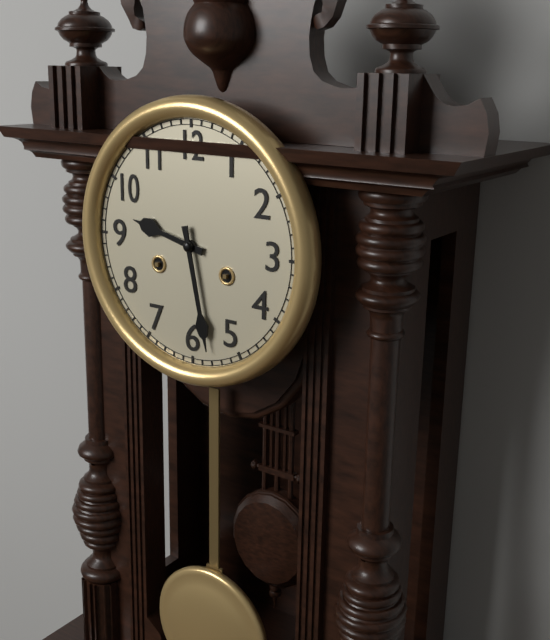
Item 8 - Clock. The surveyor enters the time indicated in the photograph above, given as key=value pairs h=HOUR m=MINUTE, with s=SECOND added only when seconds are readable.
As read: h=9 m=28
